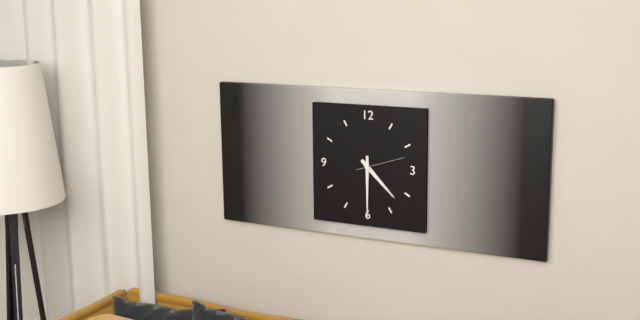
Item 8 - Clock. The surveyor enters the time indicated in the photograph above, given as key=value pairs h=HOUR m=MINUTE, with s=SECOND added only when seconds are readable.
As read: h=4 m=30
